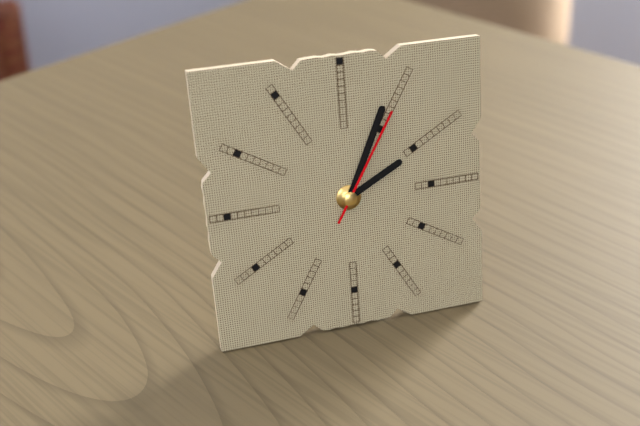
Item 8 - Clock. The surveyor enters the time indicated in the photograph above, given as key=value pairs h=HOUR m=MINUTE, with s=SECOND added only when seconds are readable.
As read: h=2 m=4 s=5
